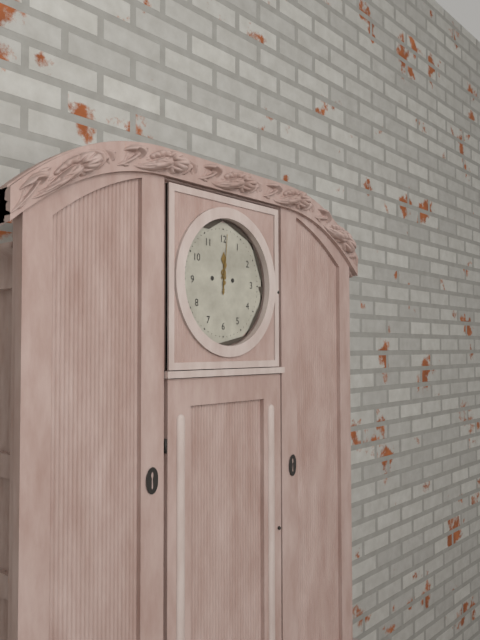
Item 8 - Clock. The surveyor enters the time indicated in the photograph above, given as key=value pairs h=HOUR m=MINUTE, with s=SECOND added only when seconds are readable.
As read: h=12 m=1
